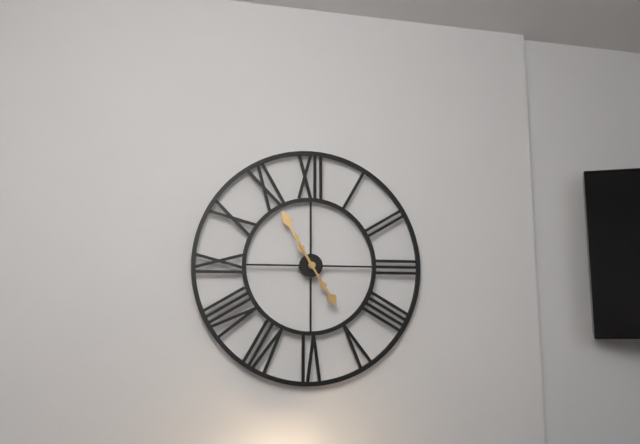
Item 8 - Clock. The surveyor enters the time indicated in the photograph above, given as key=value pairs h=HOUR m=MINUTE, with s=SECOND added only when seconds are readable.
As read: h=4 m=55
